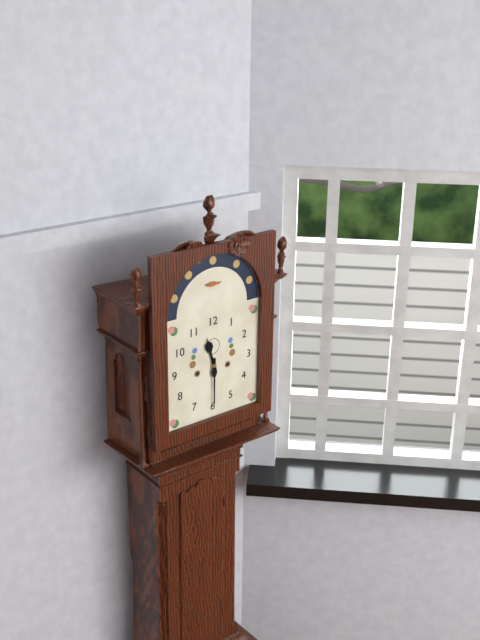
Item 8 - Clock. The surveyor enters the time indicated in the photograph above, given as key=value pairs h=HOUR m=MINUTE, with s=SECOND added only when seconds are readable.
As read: h=11 m=30
